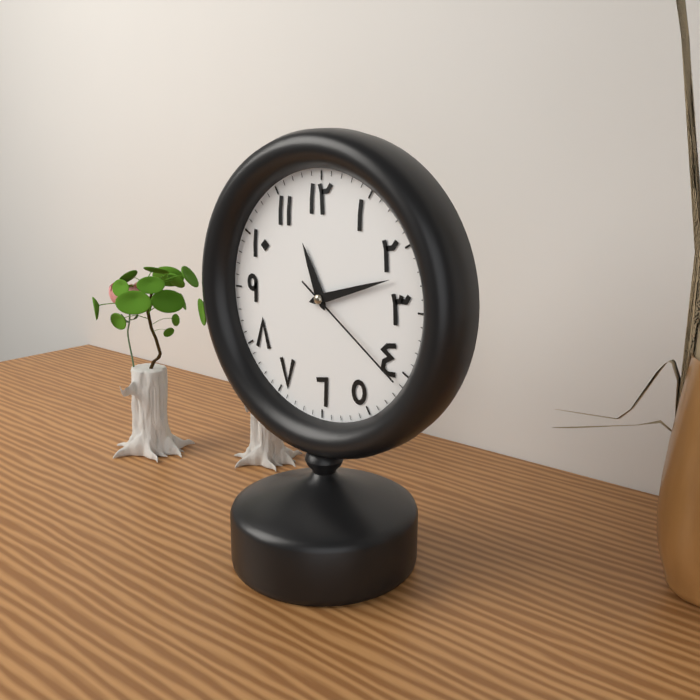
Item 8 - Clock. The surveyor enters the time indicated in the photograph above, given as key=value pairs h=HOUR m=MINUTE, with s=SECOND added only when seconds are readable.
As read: h=11 m=12 s=21
